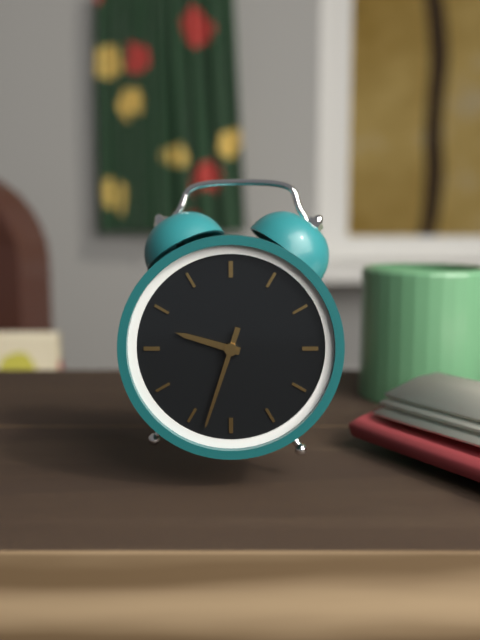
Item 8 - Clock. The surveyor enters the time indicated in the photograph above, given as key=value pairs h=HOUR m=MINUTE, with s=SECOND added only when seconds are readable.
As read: h=9 m=33
